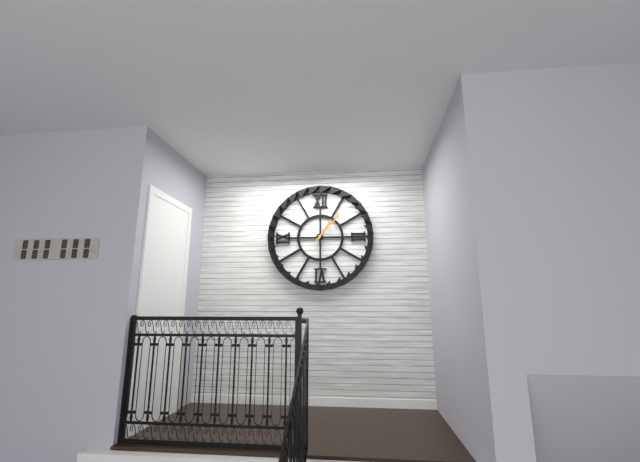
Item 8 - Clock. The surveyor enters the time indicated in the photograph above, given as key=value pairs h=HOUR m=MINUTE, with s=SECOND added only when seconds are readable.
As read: h=1 m=7
